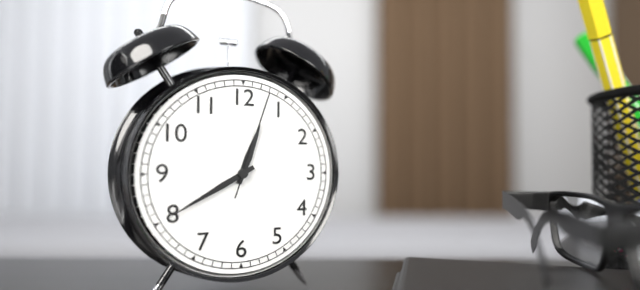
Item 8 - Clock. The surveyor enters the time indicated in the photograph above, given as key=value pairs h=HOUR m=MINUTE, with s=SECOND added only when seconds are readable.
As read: h=12 m=40 s=3
